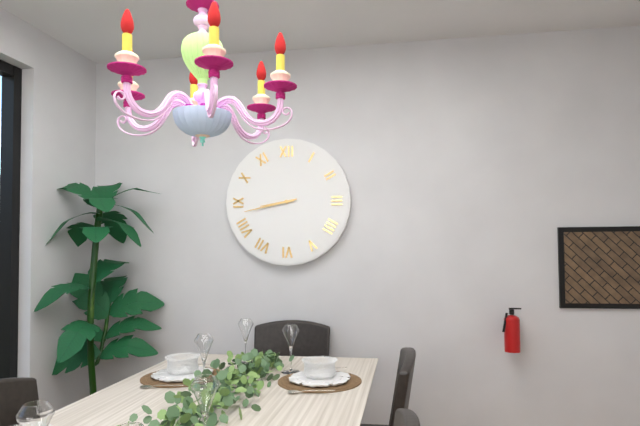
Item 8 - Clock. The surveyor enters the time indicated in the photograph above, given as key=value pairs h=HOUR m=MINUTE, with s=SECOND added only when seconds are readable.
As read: h=8 m=43
